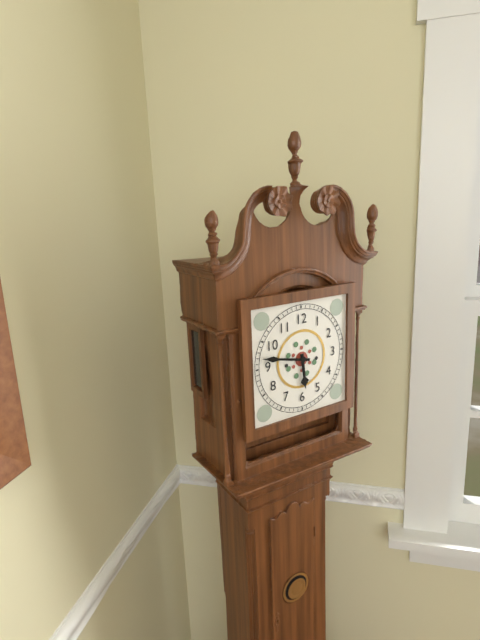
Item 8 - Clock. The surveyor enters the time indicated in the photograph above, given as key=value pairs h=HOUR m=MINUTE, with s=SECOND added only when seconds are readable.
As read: h=5 m=47
